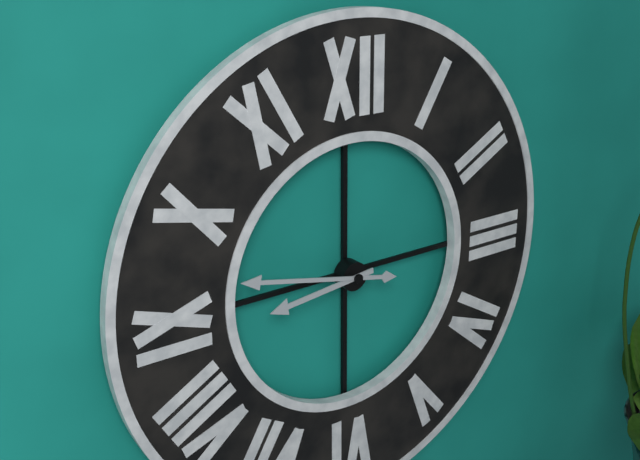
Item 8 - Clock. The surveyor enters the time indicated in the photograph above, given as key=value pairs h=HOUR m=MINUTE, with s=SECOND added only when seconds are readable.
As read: h=8 m=47
